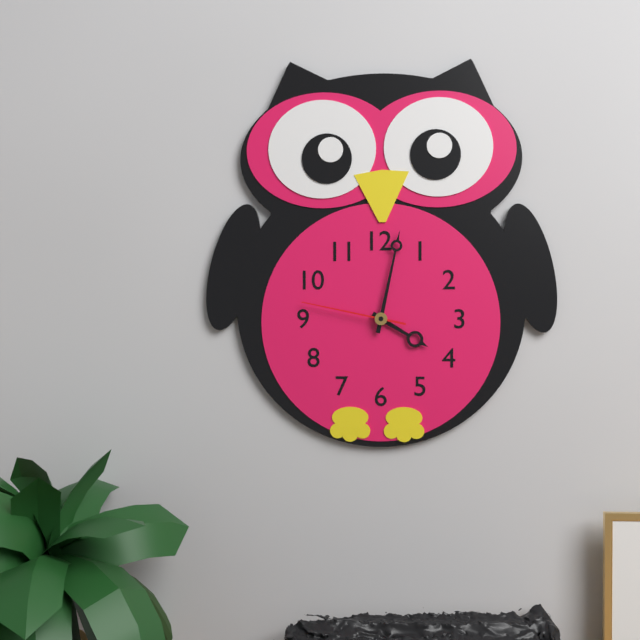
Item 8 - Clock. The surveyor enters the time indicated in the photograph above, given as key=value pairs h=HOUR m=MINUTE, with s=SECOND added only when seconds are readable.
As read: h=4 m=2 s=47
